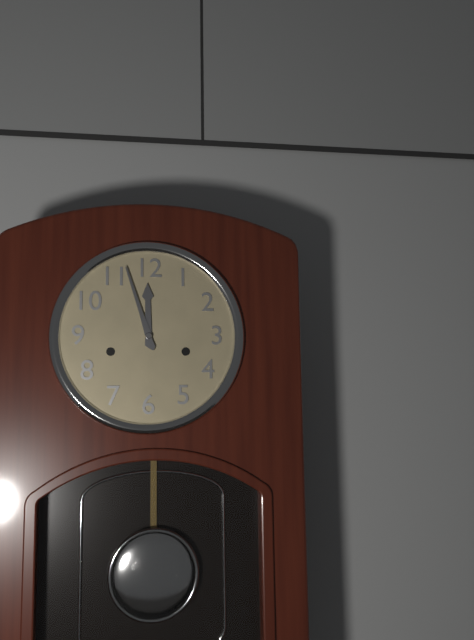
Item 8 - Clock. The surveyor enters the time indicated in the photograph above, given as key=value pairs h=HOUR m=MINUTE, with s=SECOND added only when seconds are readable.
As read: h=11 m=57
